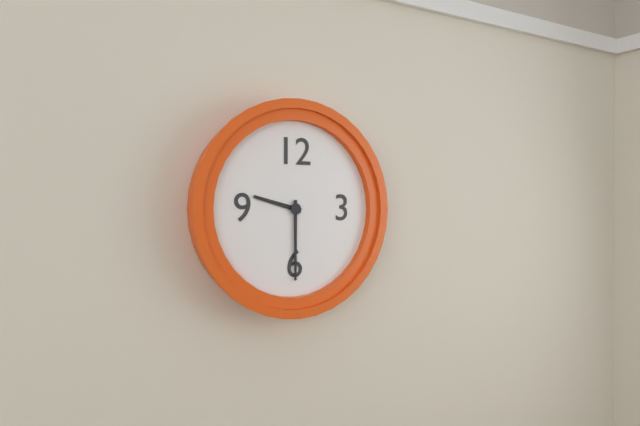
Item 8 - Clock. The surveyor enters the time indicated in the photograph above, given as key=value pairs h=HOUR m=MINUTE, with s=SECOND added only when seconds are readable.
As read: h=9 m=30
